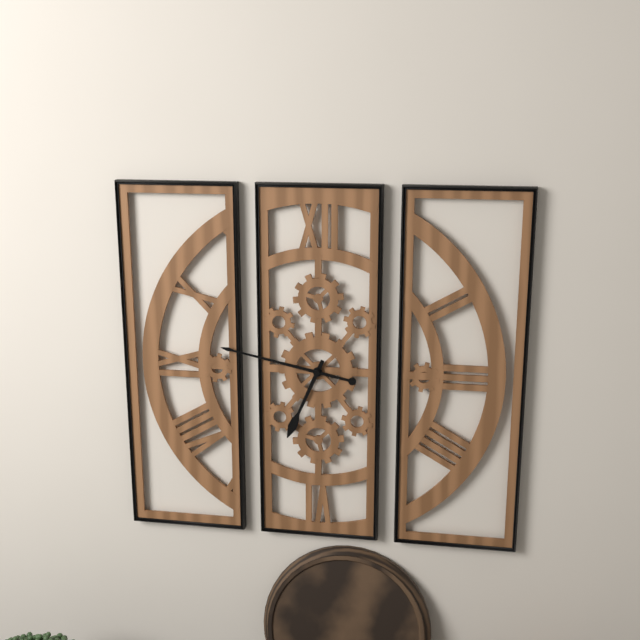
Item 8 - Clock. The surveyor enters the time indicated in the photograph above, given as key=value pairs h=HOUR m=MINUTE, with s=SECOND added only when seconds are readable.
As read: h=6 m=47
